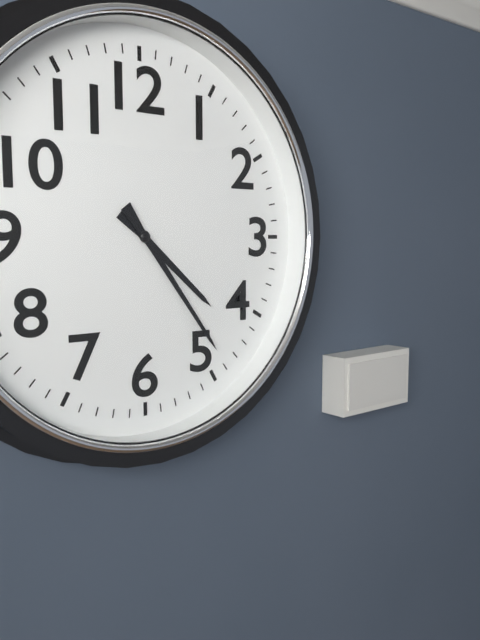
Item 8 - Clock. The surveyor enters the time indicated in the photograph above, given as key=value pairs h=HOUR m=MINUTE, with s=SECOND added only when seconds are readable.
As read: h=4 m=24
